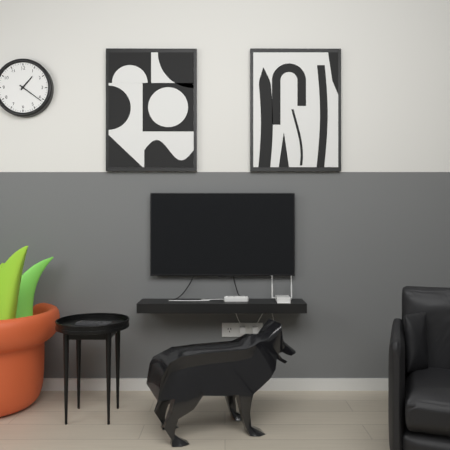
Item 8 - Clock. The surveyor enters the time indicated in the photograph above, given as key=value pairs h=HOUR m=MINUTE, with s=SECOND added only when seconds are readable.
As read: h=1 m=21
